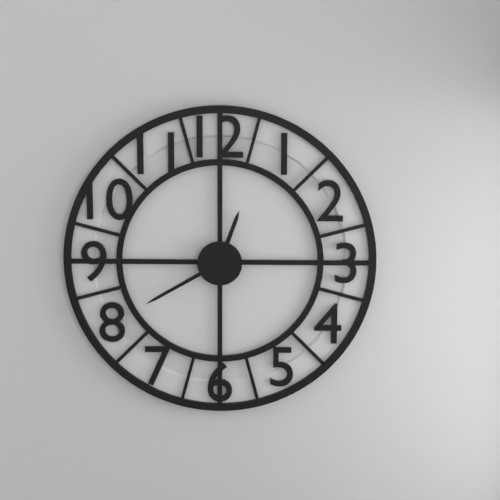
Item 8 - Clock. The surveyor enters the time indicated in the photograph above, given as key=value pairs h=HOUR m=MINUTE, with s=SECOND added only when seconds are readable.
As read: h=12 m=40
